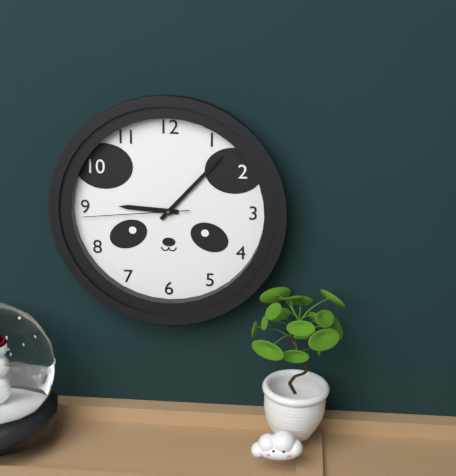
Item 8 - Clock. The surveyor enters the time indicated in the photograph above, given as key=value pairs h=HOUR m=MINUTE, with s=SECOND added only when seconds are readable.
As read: h=9 m=7 s=44
